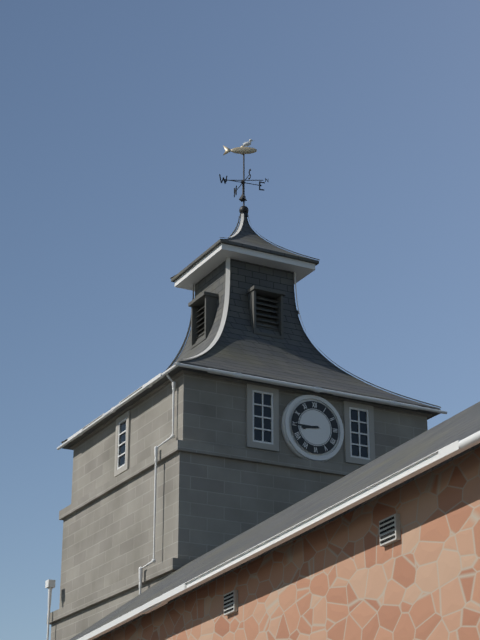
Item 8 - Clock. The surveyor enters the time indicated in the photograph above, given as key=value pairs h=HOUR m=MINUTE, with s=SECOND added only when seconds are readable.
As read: h=8 m=45
